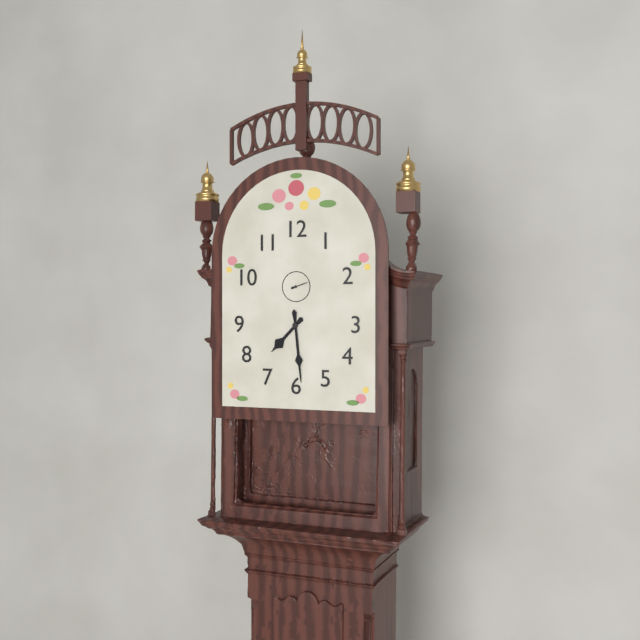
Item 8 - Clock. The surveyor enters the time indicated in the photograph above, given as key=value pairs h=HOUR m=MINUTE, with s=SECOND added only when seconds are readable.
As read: h=7 m=29
